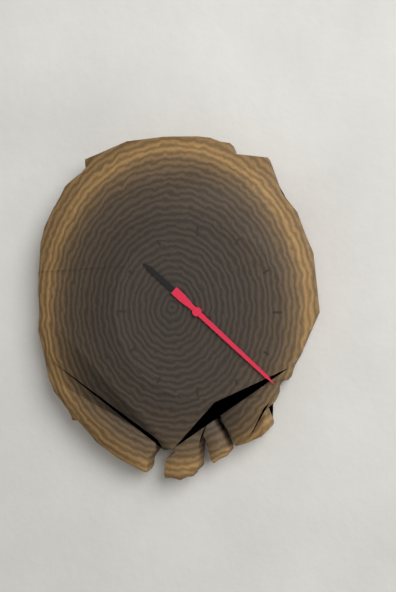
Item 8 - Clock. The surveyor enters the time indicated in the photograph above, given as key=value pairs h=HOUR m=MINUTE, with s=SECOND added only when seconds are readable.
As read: h=10 m=22
